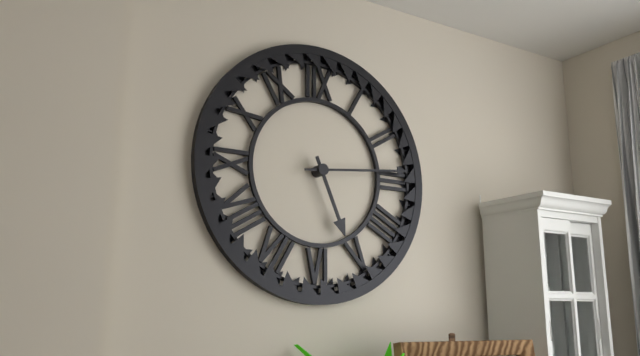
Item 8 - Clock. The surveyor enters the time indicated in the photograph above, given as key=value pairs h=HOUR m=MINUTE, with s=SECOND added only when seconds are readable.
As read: h=5 m=14
